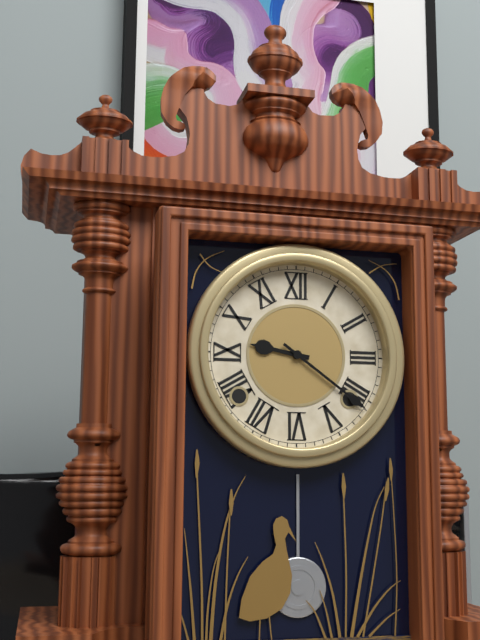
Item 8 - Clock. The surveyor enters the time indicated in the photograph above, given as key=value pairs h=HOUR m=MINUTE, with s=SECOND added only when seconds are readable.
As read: h=9 m=21
